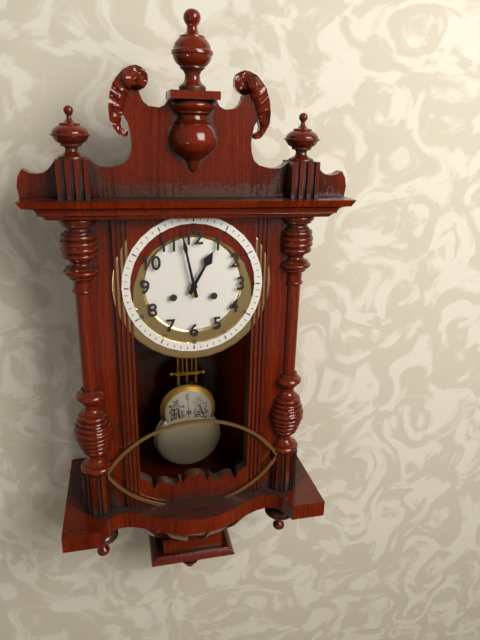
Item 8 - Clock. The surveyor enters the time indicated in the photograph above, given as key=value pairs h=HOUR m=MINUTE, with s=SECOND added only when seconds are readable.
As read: h=12 m=58
